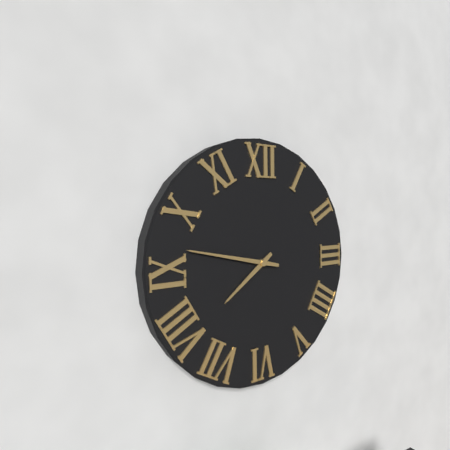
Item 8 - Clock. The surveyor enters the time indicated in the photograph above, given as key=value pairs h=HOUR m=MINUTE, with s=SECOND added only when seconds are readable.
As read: h=7 m=47
